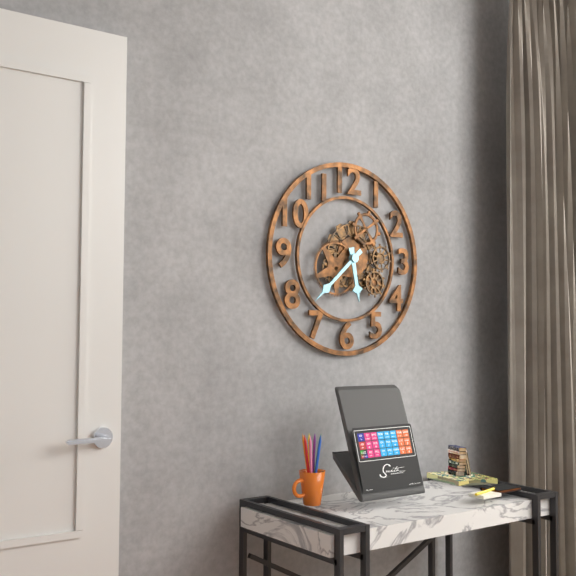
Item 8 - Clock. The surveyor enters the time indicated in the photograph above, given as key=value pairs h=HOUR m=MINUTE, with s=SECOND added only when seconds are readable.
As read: h=5 m=38
